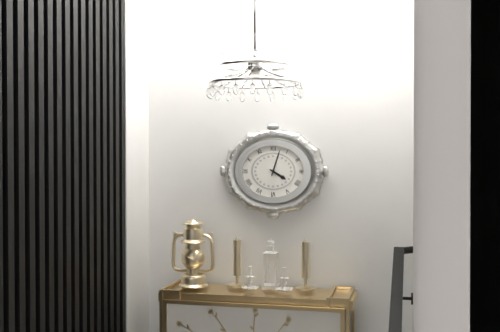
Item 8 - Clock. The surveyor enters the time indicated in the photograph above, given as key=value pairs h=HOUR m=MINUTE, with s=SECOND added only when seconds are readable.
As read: h=4 m=3
